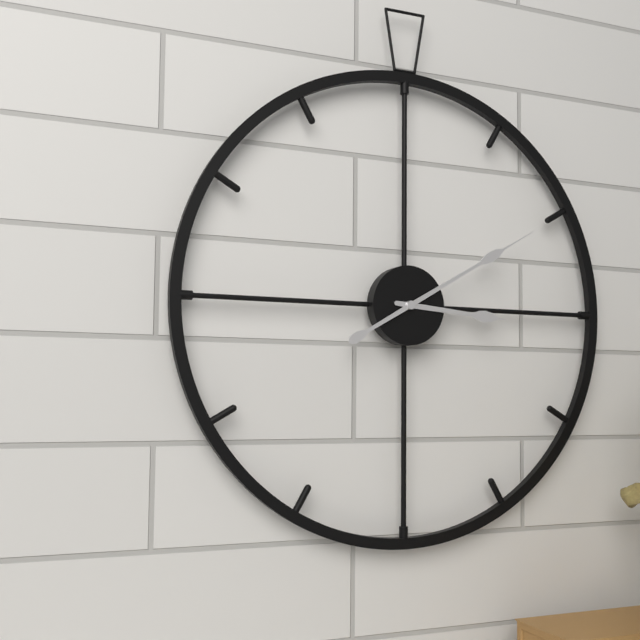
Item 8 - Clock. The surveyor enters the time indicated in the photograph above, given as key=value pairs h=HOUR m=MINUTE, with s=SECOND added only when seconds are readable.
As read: h=3 m=10
